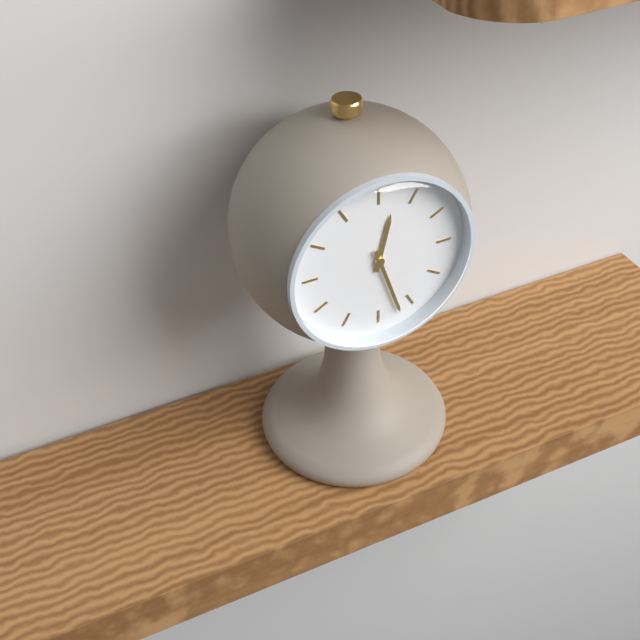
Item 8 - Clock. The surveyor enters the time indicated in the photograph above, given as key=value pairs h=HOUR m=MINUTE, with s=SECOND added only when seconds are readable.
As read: h=12 m=27
